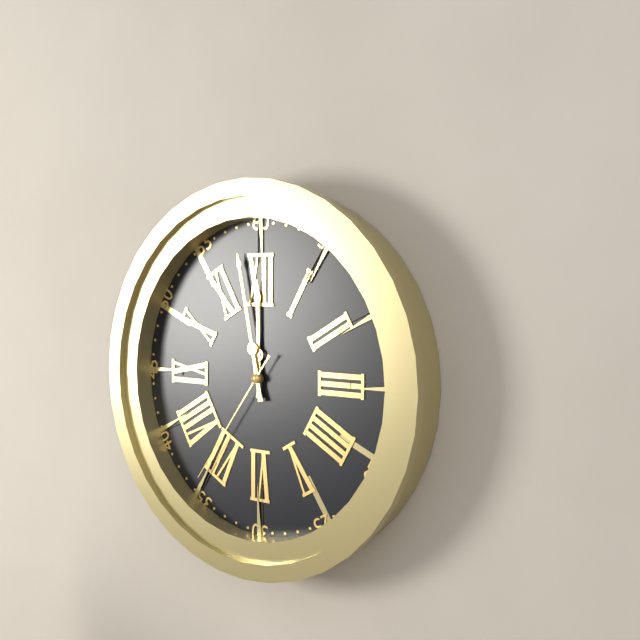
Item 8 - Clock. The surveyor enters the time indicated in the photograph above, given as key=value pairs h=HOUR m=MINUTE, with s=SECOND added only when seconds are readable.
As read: h=11 m=58 s=36
